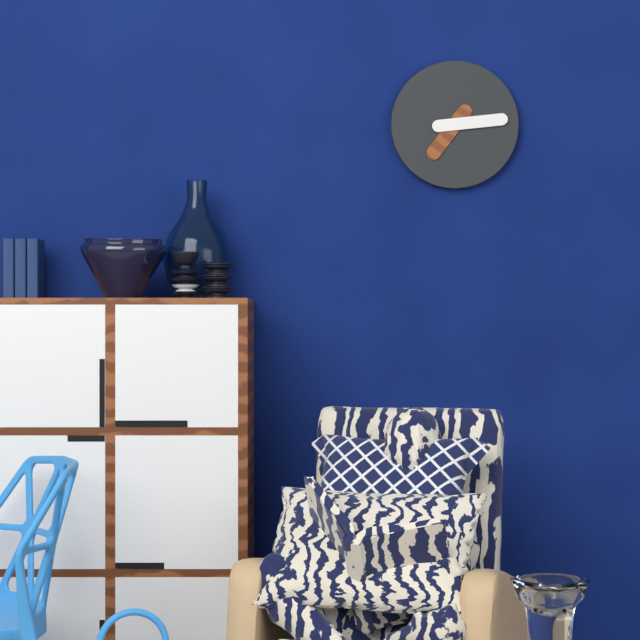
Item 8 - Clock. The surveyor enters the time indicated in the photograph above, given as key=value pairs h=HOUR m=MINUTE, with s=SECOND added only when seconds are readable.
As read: h=7 m=14
